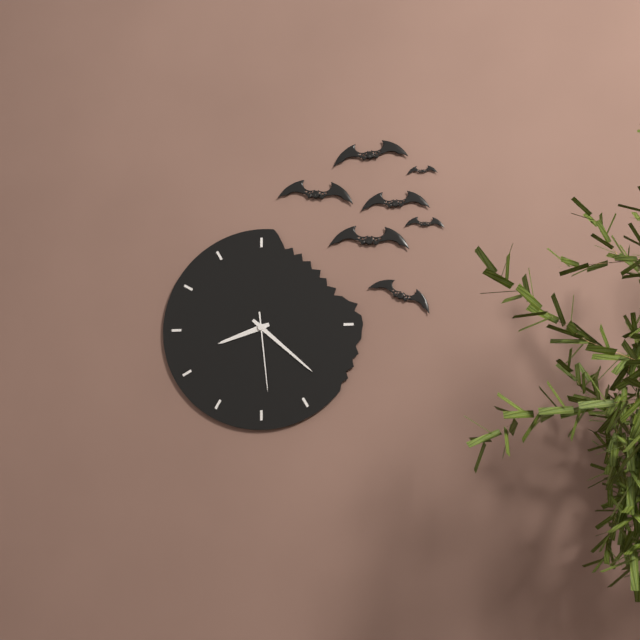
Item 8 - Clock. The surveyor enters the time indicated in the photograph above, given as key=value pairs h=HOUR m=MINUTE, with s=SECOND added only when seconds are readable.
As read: h=8 m=22 s=29
